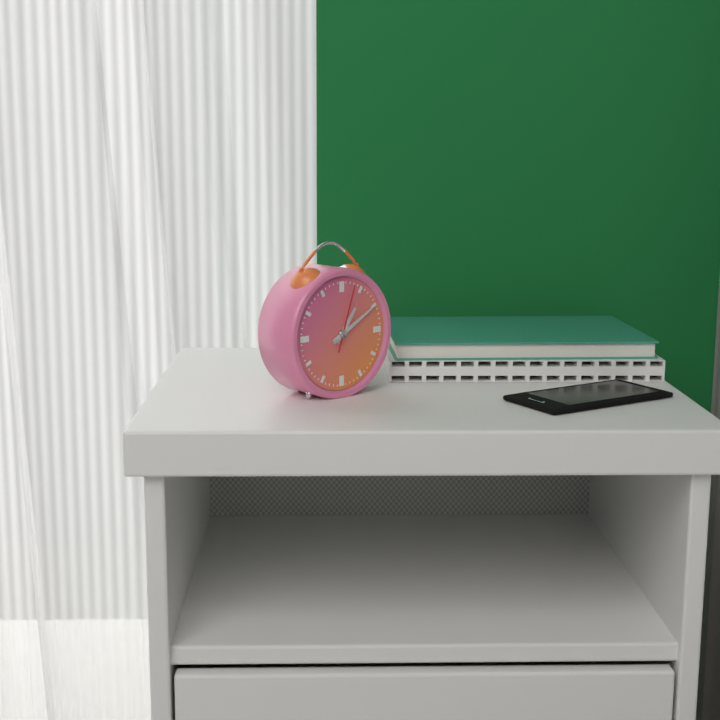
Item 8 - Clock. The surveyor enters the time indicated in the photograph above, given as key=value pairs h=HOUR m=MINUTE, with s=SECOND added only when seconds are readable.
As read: h=1 m=10 s=3
